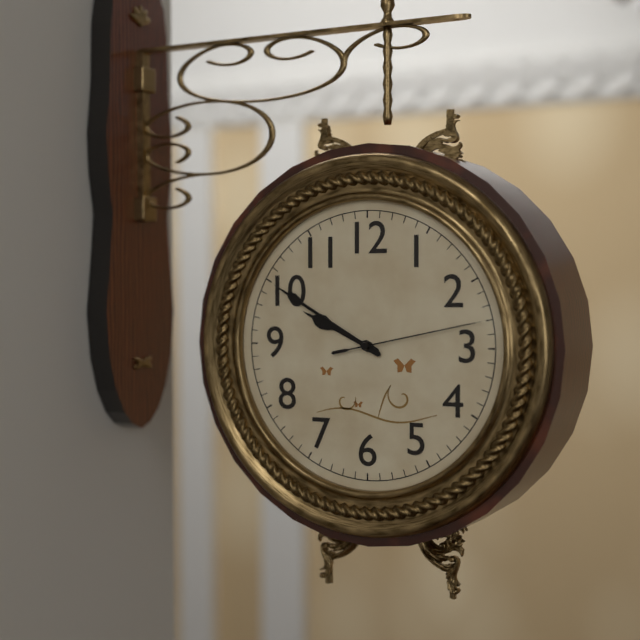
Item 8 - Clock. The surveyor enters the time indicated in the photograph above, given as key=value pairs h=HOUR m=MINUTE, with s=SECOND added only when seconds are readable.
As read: h=9 m=50 s=13
